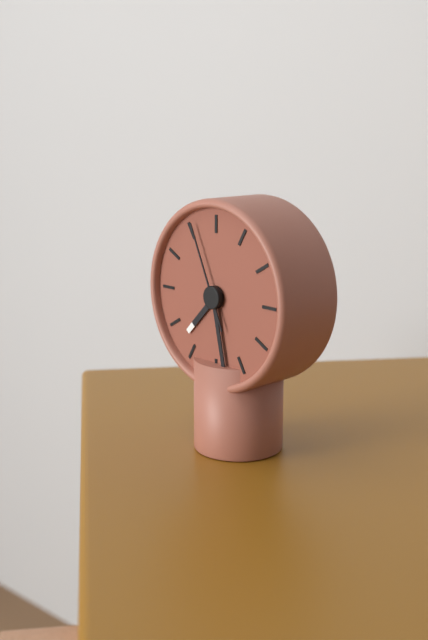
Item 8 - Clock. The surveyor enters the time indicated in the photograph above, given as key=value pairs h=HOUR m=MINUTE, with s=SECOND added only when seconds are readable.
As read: h=7 m=28 s=56
